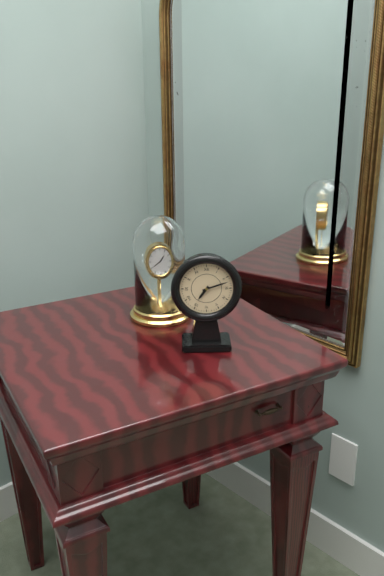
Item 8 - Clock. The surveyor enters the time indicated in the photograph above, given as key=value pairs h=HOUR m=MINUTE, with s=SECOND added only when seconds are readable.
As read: h=7 m=12
